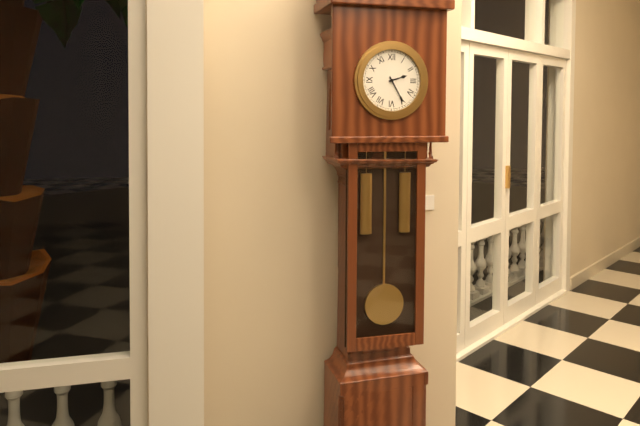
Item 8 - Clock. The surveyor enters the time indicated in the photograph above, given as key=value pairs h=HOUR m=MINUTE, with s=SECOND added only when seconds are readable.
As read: h=2 m=25
